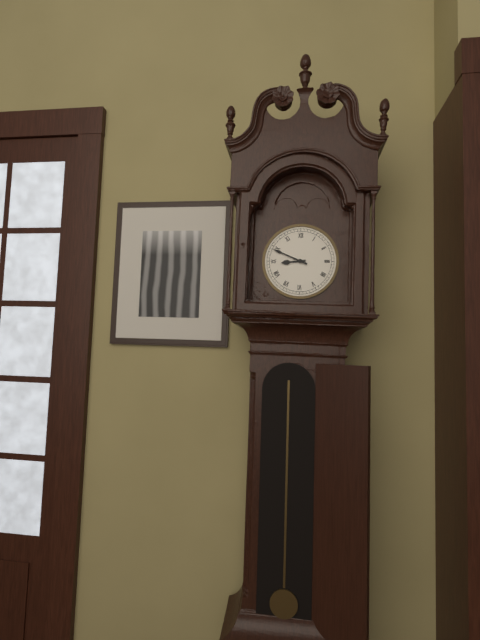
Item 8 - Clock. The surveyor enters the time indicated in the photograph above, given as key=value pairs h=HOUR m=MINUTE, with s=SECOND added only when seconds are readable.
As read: h=8 m=49
